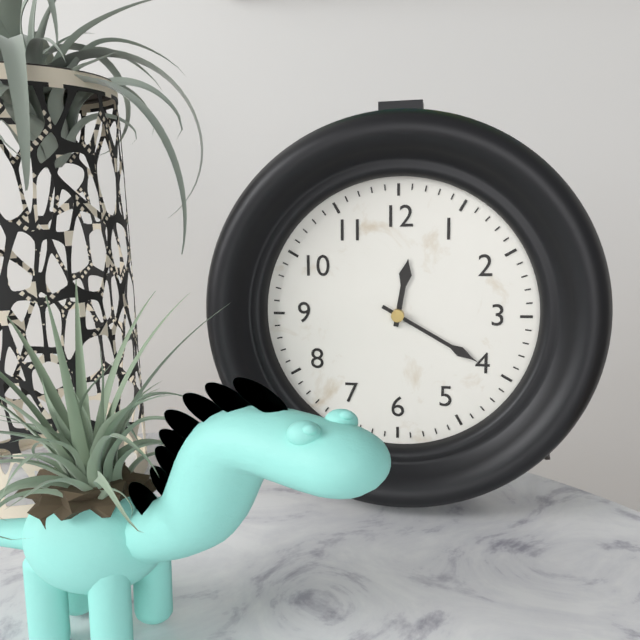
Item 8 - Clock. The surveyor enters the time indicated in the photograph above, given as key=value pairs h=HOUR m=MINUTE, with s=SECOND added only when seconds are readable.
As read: h=12 m=20
